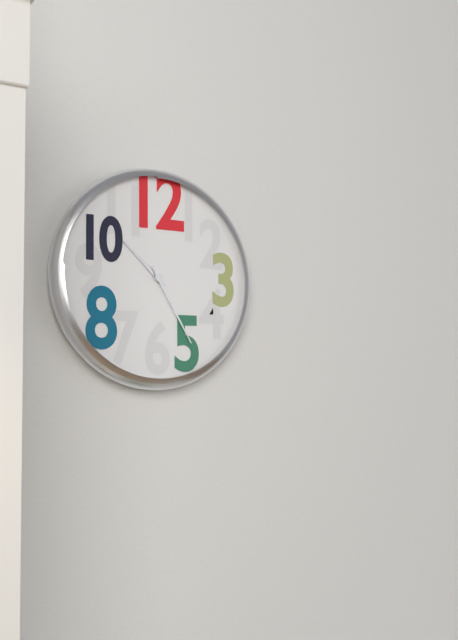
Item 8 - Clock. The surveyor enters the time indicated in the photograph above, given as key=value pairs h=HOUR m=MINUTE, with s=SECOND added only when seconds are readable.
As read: h=10 m=25
